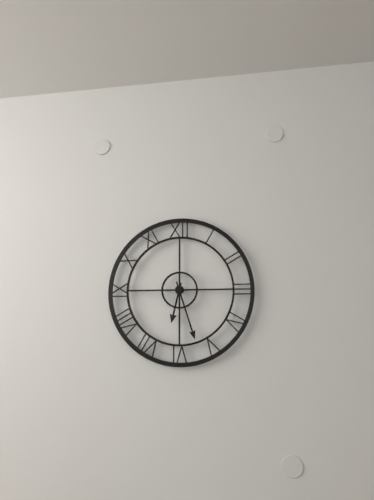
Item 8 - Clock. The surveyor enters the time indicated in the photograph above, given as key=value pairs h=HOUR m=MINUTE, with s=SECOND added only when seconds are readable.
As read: h=6 m=27
